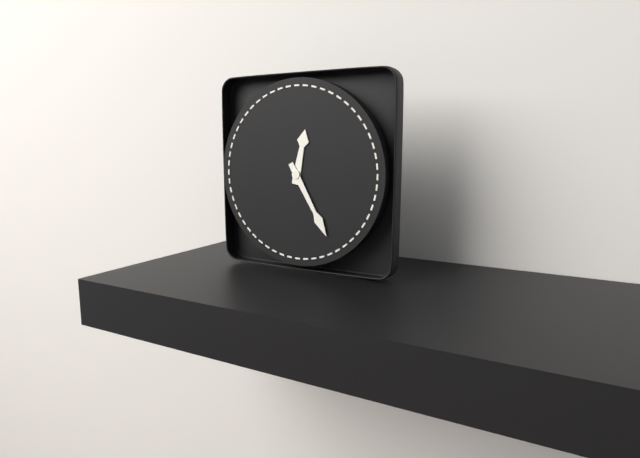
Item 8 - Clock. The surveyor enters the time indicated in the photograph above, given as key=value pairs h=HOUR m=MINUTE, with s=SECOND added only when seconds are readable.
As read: h=12 m=25
